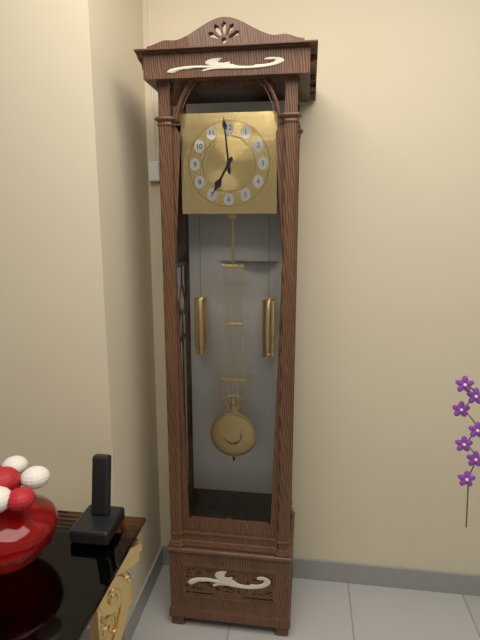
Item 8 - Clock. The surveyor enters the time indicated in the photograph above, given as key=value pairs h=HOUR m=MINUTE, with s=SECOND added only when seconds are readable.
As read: h=6 m=59
